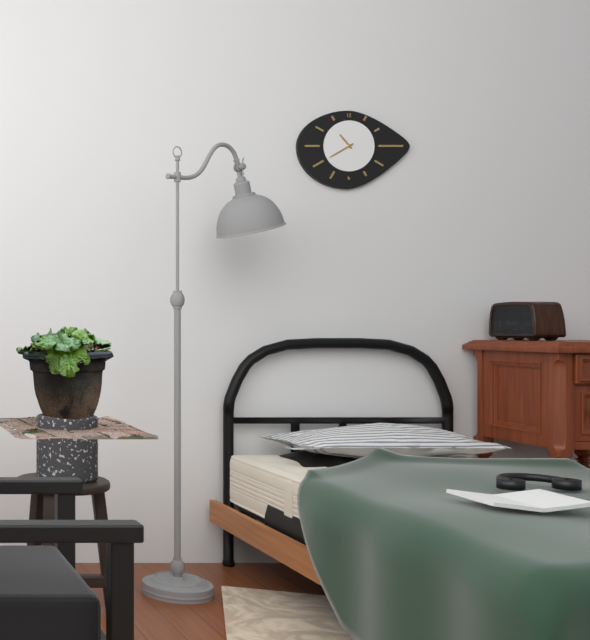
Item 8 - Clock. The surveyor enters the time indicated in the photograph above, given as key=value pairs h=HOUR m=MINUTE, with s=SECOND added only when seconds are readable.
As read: h=10 m=40
